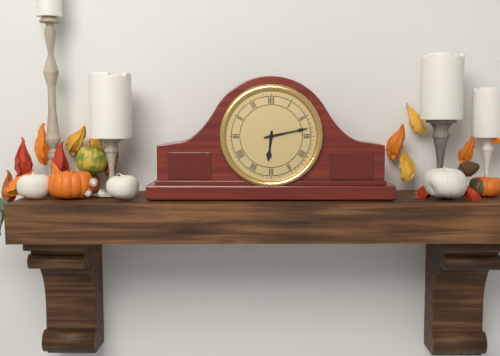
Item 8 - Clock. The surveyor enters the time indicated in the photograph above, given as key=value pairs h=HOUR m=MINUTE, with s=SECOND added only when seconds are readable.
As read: h=6 m=13
